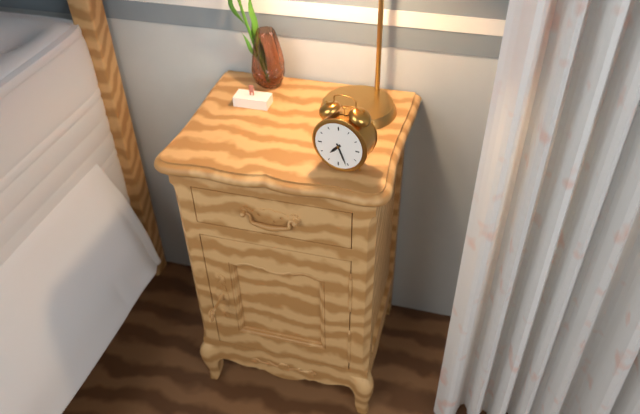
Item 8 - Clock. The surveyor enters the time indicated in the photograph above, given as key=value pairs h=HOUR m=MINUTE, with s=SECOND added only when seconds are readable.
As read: h=7 m=26
